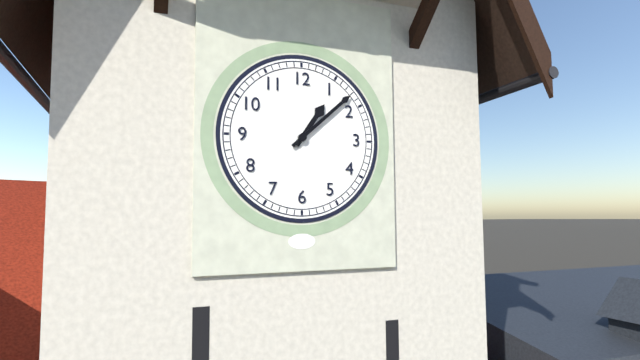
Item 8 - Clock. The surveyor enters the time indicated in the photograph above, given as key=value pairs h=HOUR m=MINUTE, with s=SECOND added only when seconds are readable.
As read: h=1 m=8
